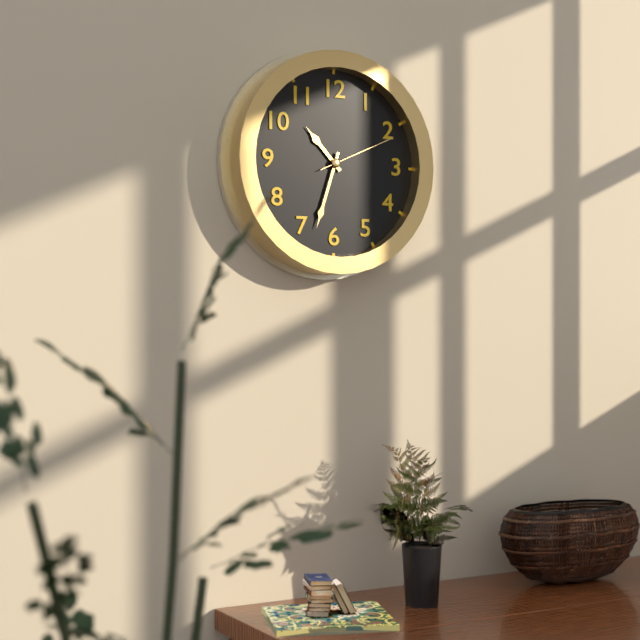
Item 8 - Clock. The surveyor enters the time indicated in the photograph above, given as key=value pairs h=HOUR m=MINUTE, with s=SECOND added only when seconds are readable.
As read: h=10 m=33 s=11
